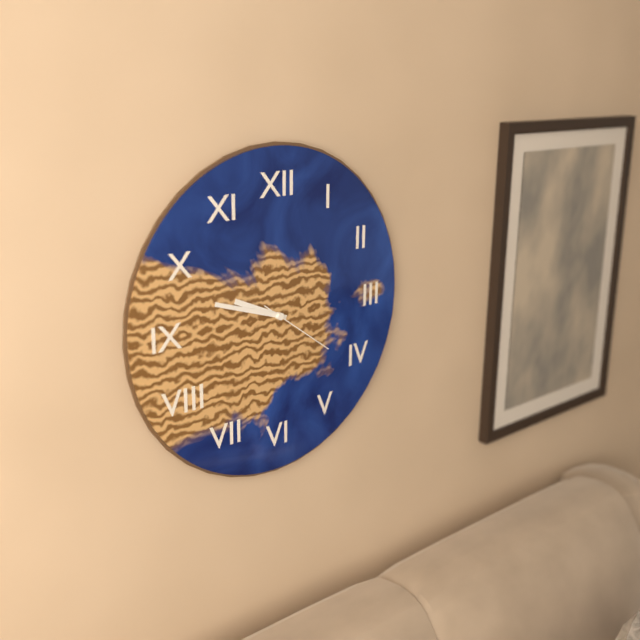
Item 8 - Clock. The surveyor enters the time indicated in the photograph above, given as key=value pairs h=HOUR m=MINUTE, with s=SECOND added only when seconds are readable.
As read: h=9 m=48 s=21
